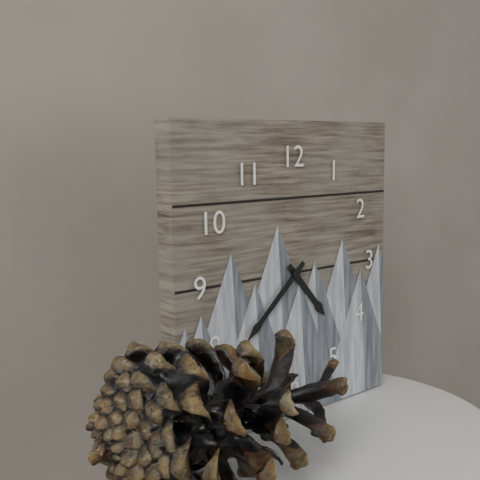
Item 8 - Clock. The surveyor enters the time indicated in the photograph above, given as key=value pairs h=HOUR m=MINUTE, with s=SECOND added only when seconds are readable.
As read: h=4 m=38
